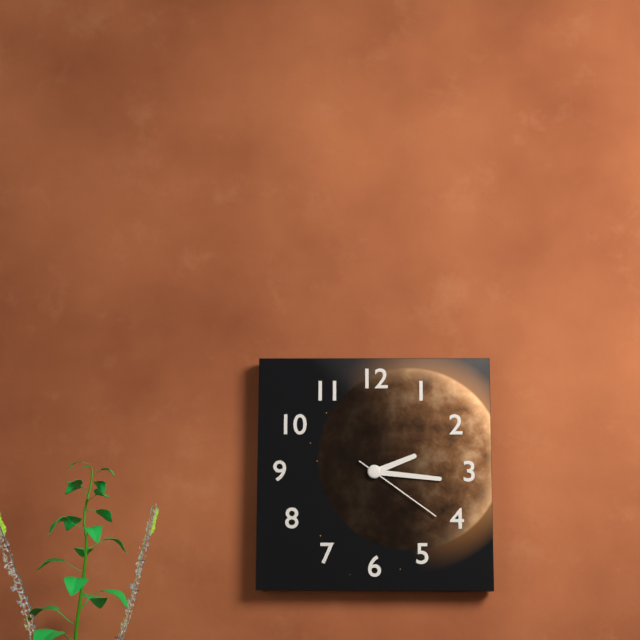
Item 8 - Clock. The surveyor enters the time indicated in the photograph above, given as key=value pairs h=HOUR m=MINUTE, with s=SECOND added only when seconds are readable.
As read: h=2 m=16 s=21
